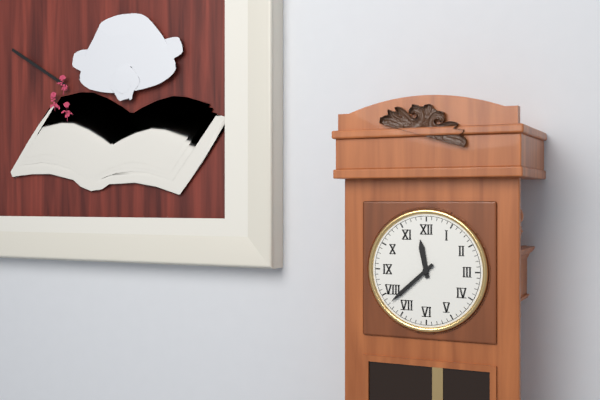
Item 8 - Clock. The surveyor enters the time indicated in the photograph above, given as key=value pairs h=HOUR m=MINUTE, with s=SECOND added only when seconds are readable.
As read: h=11 m=38
